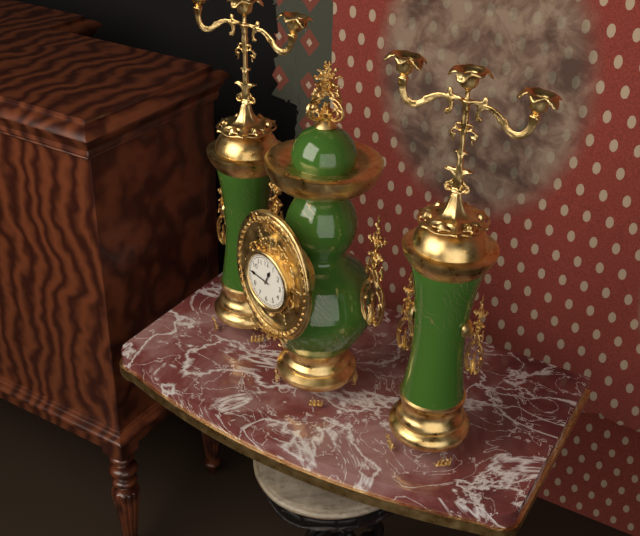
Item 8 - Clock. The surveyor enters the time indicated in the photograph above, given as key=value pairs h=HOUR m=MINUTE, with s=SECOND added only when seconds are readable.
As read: h=12 m=46
